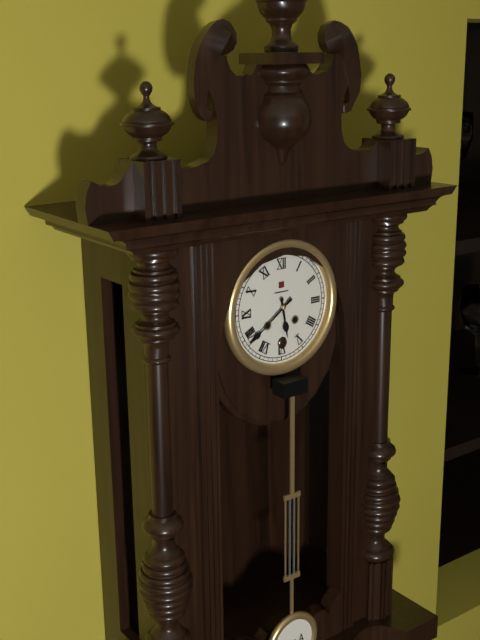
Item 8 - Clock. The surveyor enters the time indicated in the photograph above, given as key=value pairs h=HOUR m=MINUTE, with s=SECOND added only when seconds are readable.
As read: h=5 m=39
